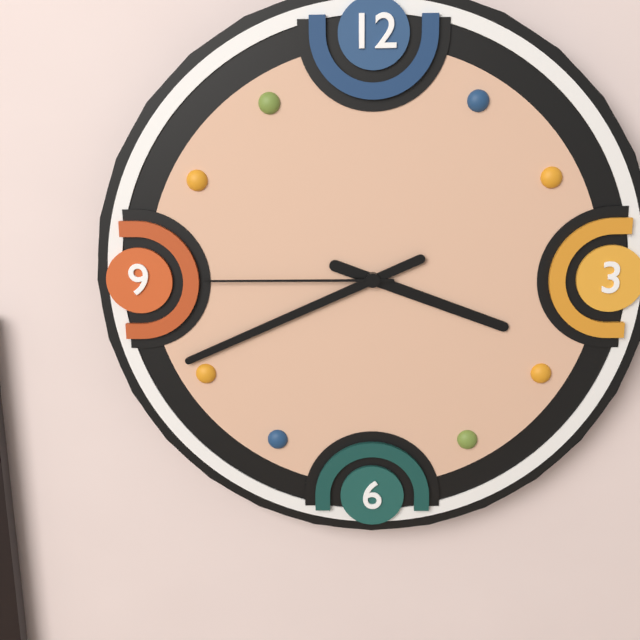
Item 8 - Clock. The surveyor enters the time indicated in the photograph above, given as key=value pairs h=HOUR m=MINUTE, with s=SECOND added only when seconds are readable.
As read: h=3 m=41 s=45
